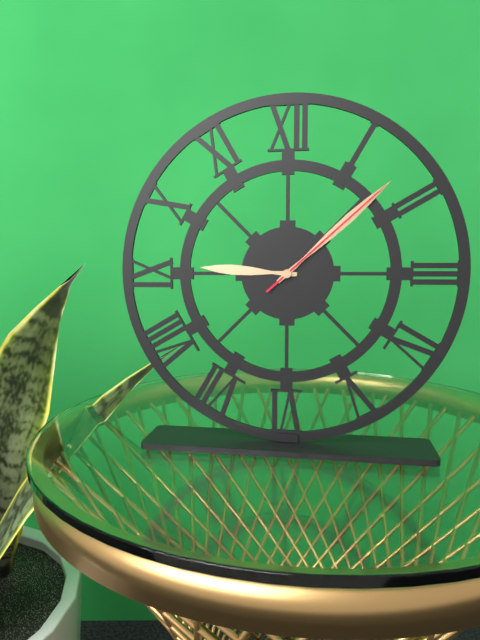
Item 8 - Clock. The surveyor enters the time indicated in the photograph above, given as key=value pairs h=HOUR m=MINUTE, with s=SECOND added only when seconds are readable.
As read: h=9 m=8 s=8
